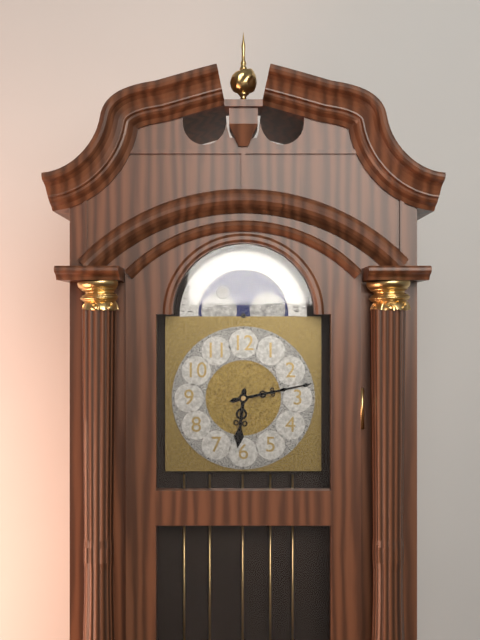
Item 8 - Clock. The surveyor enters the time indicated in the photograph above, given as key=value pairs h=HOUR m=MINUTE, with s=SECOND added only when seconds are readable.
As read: h=6 m=13
